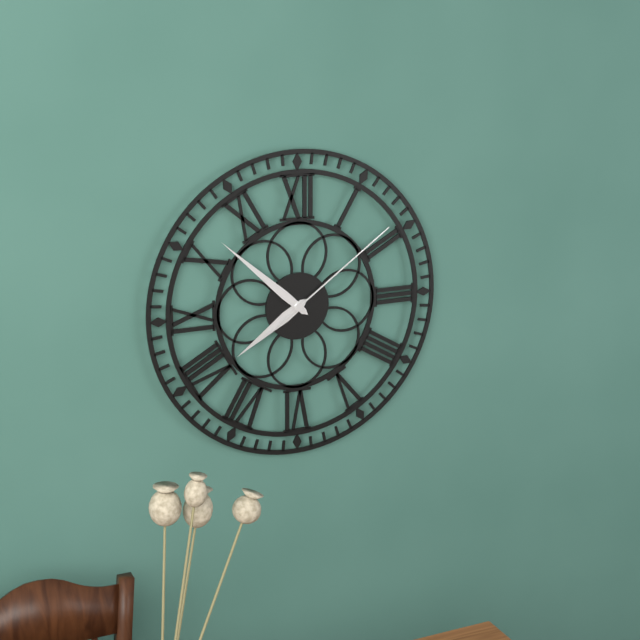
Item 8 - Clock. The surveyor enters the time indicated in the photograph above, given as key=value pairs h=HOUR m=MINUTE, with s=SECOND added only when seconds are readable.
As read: h=7 m=52 s=9
